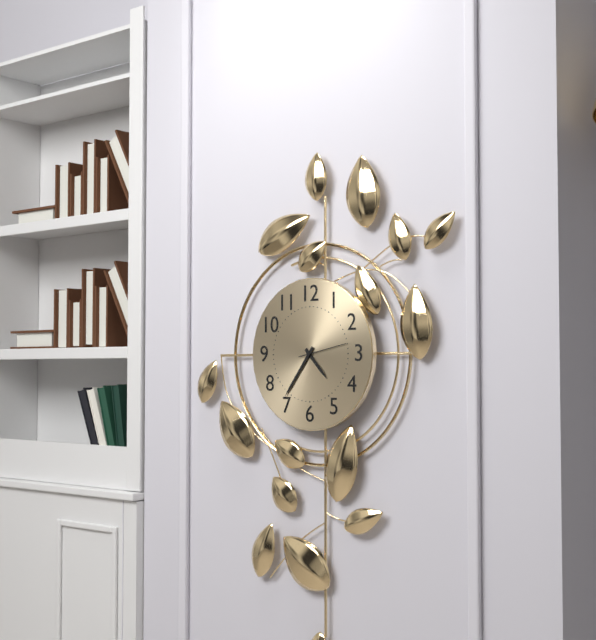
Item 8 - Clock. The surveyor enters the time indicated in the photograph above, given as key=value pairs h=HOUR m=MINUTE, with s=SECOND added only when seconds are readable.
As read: h=4 m=36
